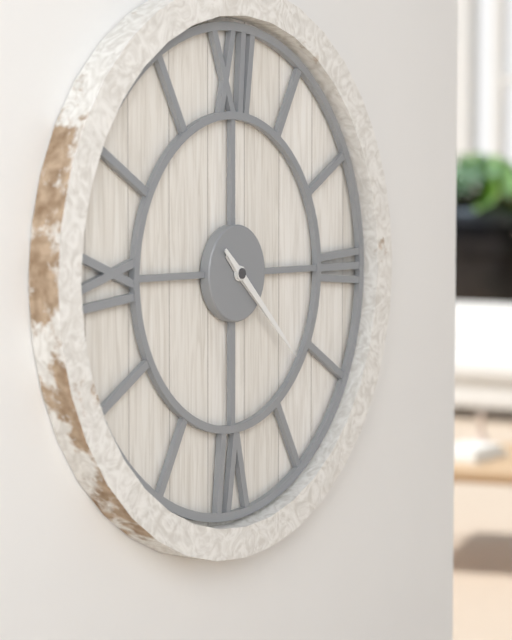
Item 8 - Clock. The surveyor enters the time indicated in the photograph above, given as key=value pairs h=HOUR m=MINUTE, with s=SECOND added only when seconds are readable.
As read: h=4 m=22
